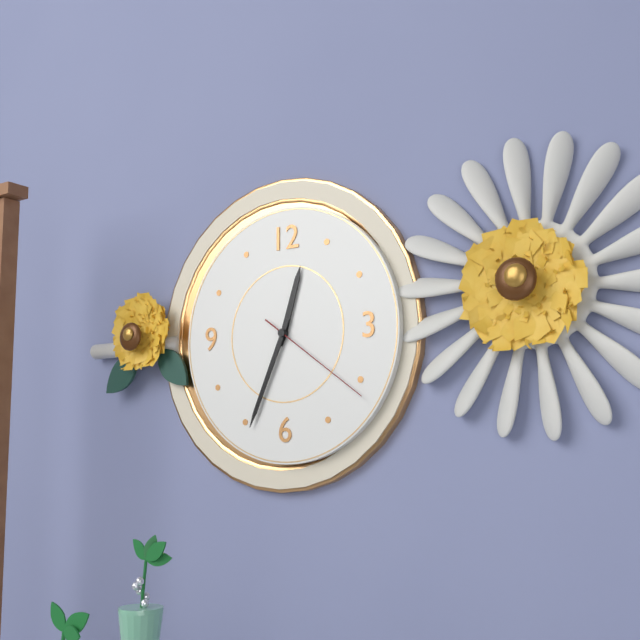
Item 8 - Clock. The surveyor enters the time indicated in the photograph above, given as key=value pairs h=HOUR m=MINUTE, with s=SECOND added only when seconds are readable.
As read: h=12 m=34 s=21
